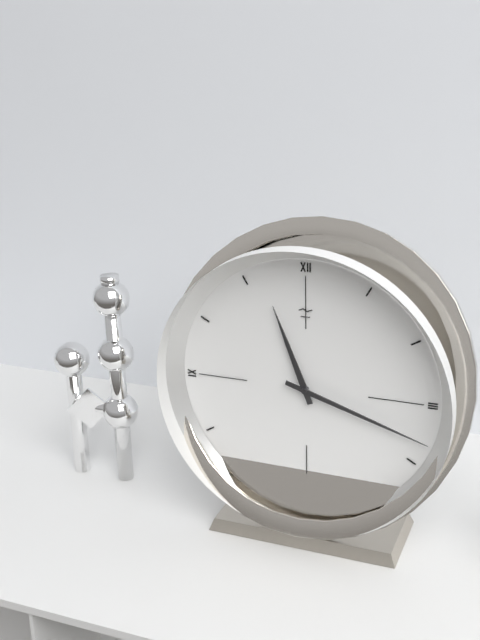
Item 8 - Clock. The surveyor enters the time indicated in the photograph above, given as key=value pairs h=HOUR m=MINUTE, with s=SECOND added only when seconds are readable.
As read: h=11 m=18
